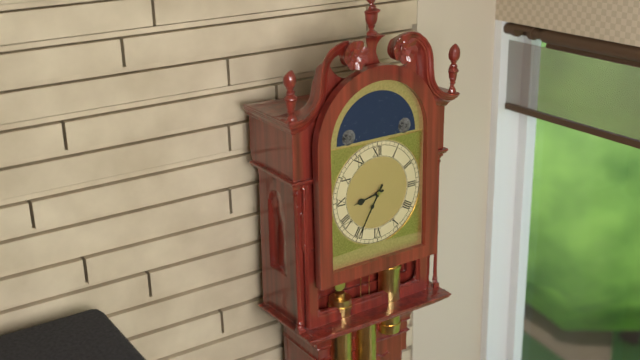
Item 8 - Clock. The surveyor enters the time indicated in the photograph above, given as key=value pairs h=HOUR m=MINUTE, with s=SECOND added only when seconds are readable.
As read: h=8 m=35
